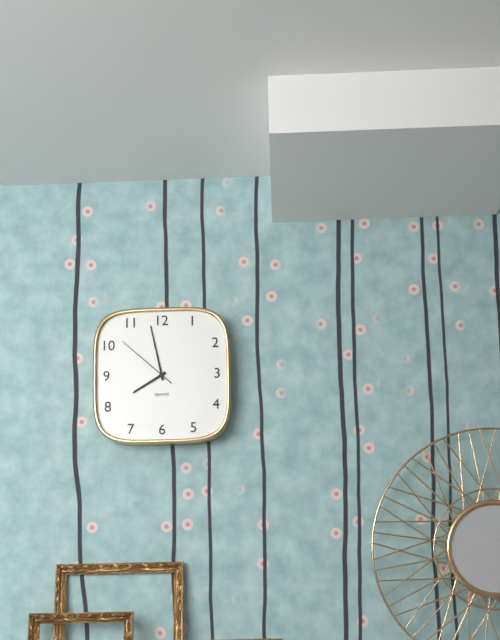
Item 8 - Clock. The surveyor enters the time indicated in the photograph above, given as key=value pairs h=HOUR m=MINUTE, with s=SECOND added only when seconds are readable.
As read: h=7 m=58 s=52
